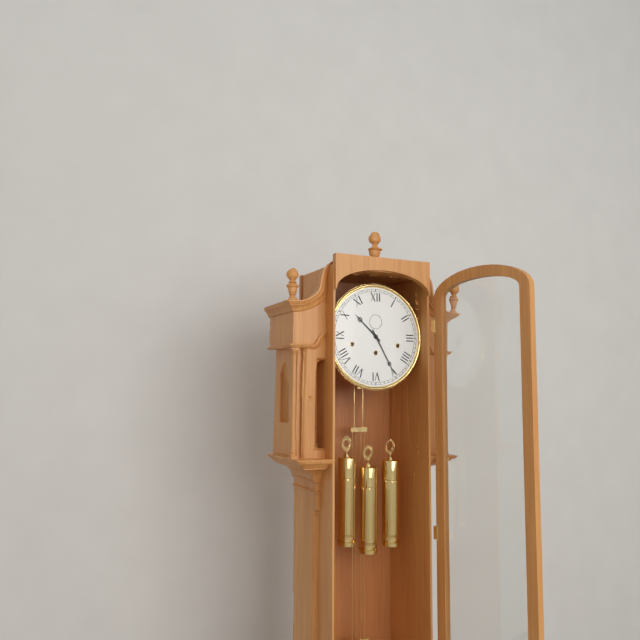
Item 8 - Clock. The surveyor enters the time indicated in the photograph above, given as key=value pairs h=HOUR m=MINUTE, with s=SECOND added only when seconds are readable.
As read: h=10 m=25
